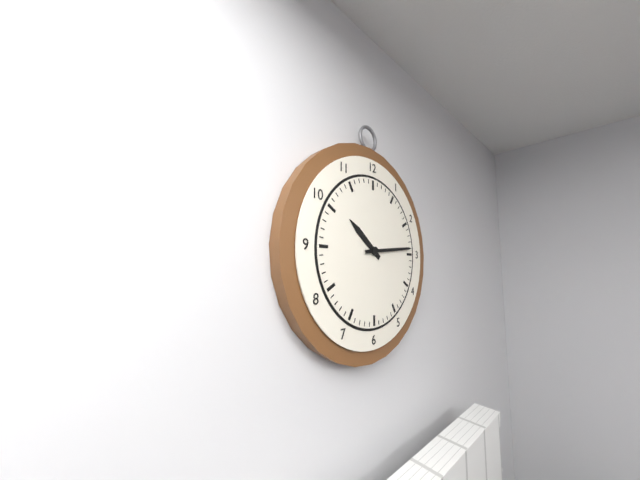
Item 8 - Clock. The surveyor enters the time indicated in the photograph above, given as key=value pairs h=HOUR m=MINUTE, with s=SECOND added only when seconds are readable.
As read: h=10 m=14
